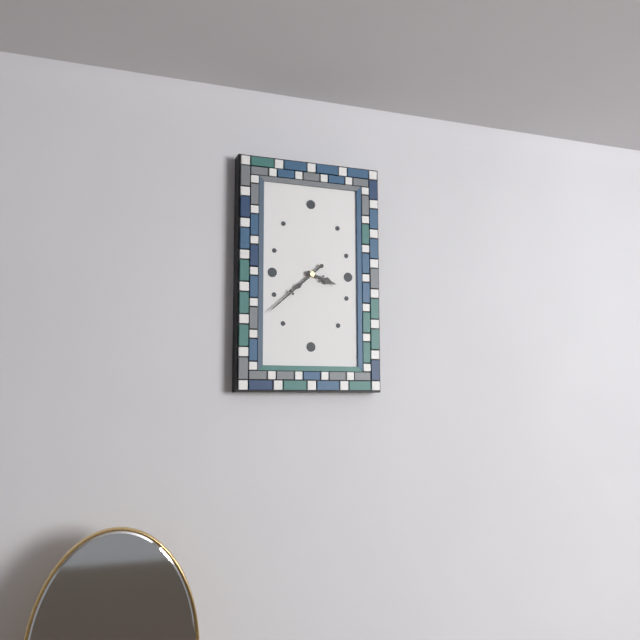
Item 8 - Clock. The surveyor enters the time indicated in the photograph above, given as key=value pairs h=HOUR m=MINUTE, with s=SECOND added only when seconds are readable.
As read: h=3 m=38
